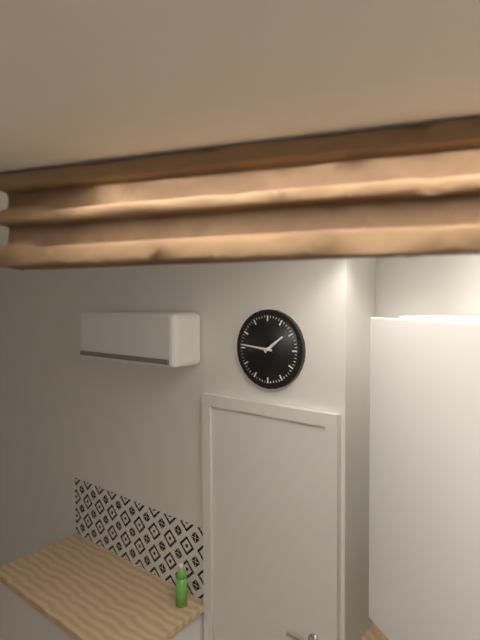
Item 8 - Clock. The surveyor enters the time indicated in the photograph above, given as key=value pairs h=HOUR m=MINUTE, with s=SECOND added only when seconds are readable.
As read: h=1 m=46
